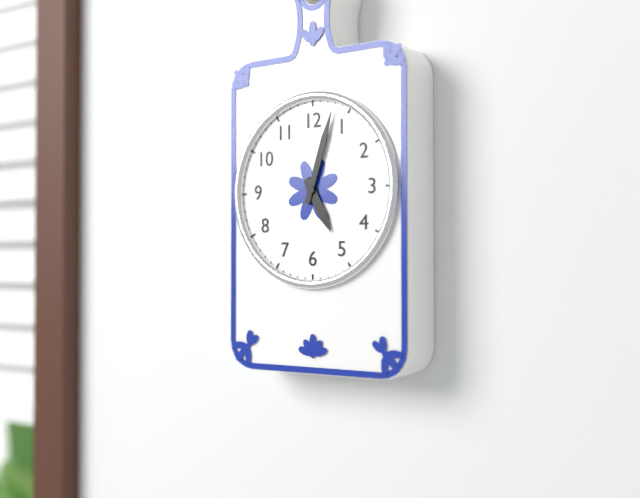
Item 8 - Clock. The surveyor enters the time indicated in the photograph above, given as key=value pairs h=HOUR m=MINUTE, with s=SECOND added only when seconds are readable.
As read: h=5 m=3
